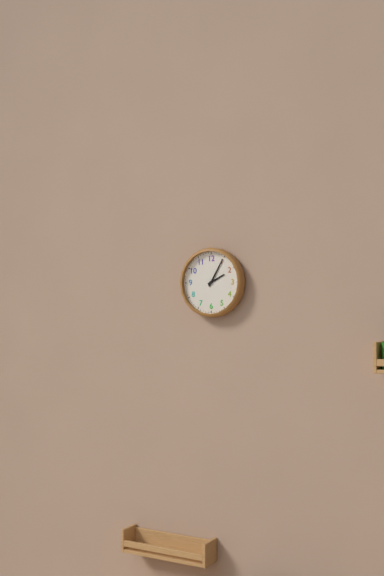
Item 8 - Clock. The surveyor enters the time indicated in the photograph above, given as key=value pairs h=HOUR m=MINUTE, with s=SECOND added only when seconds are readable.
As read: h=2 m=5
